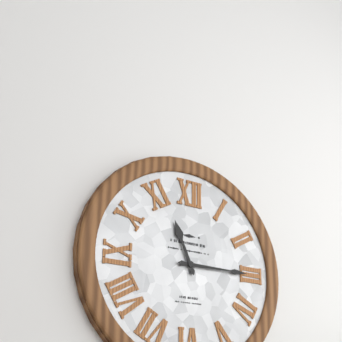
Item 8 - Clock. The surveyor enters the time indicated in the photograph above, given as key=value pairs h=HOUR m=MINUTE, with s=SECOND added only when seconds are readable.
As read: h=11 m=15
